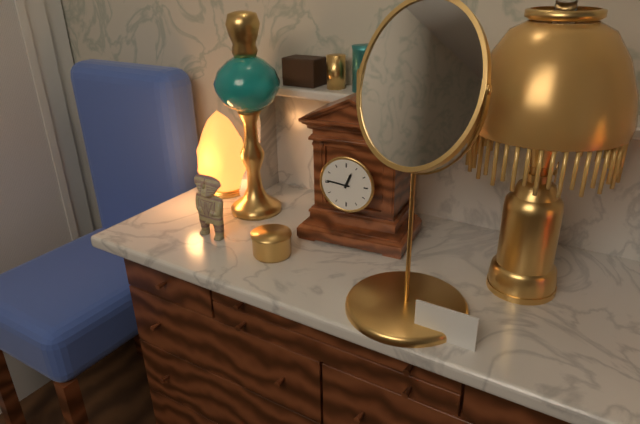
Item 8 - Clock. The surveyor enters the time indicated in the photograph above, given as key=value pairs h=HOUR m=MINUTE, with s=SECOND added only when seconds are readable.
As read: h=12 m=46
